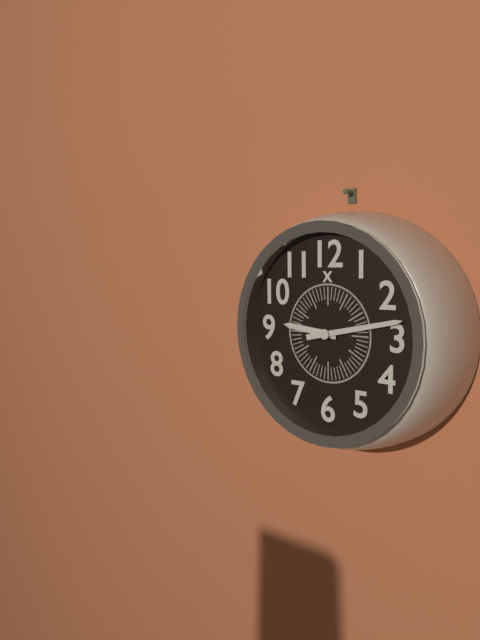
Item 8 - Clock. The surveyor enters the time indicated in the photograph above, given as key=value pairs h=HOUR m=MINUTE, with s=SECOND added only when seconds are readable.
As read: h=9 m=13
